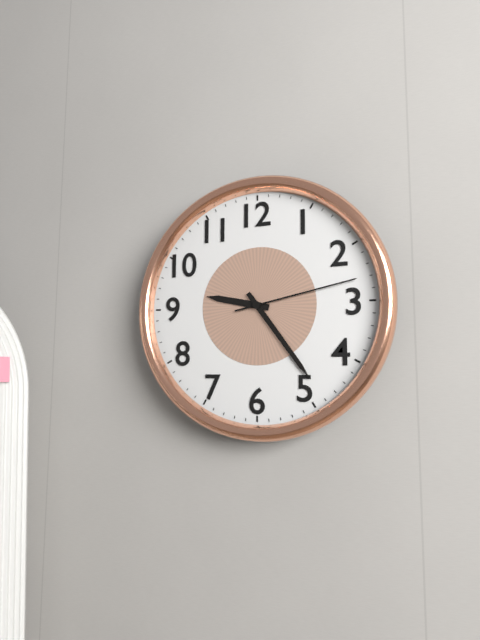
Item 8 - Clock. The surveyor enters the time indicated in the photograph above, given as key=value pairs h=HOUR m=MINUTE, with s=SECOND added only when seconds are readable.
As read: h=9 m=24 s=13
